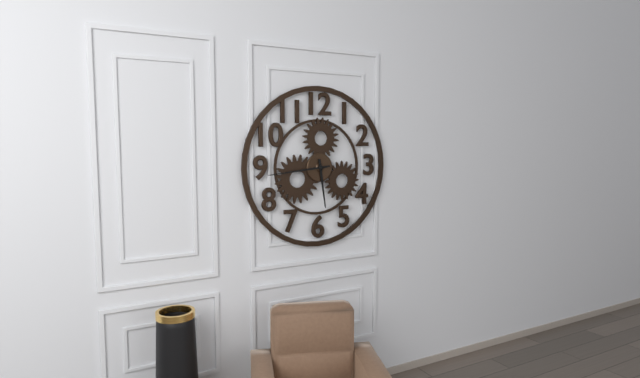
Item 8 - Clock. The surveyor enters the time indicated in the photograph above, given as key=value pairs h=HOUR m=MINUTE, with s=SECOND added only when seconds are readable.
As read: h=5 m=44
